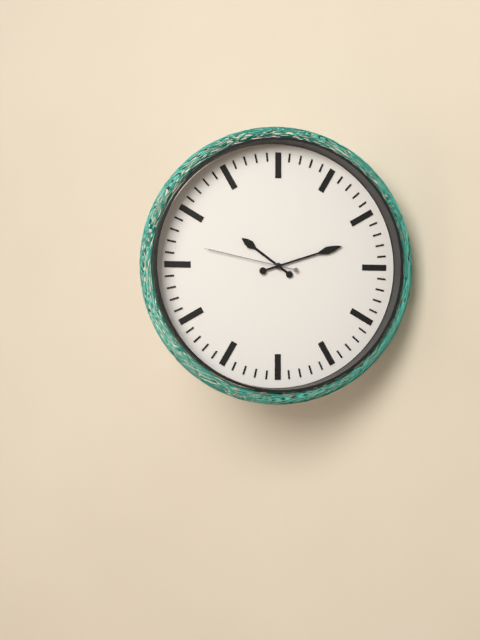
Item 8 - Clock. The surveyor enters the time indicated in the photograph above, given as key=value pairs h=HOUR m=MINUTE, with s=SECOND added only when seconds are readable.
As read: h=10 m=12 s=47
